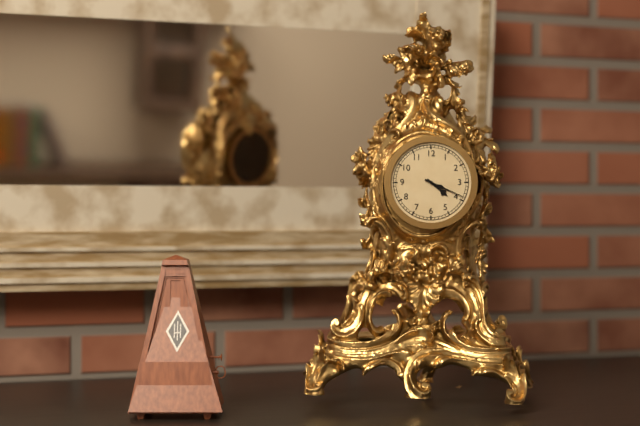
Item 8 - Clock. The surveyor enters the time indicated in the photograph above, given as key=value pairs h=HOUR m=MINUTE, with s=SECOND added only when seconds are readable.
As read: h=4 m=19
